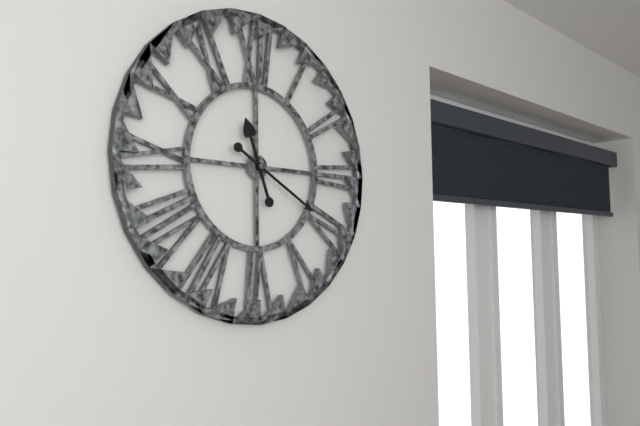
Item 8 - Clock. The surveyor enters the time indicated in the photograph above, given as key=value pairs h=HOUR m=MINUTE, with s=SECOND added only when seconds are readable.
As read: h=11 m=20
